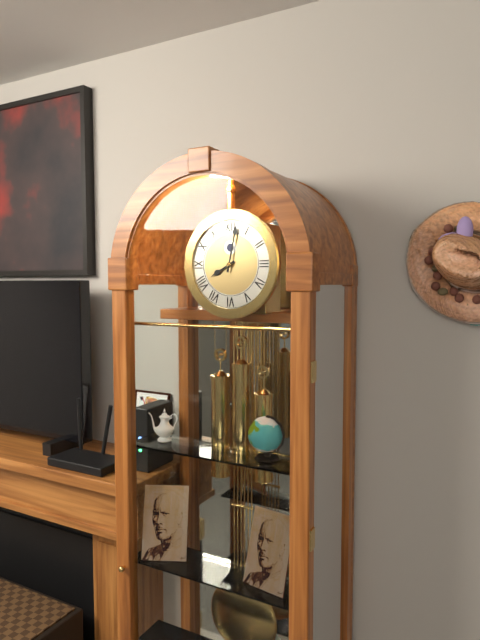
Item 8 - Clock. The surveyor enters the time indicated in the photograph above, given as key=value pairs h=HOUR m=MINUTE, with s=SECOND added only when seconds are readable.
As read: h=8 m=2
